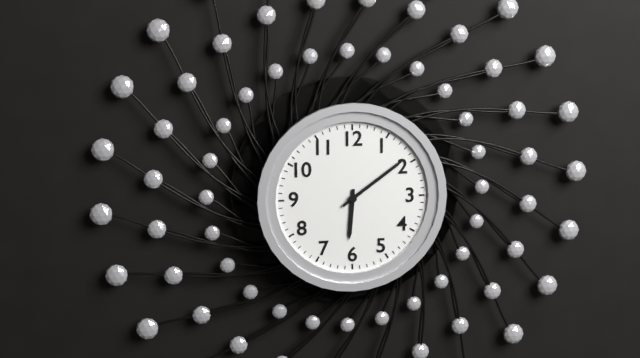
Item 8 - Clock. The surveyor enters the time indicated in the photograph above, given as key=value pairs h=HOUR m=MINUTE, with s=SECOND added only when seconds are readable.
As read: h=6 m=9
